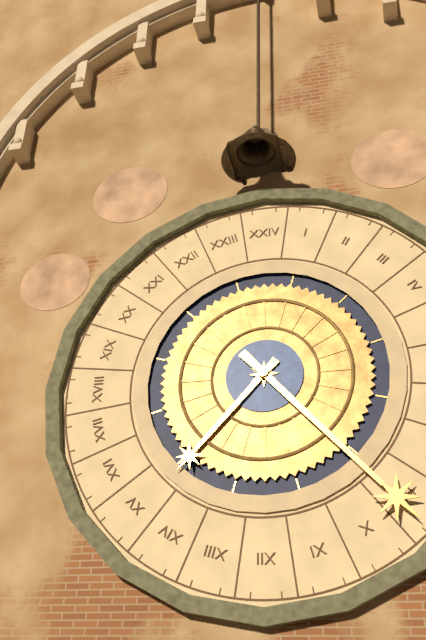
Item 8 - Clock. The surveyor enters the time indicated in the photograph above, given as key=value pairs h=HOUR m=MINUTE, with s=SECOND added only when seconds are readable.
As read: h=7 m=23
